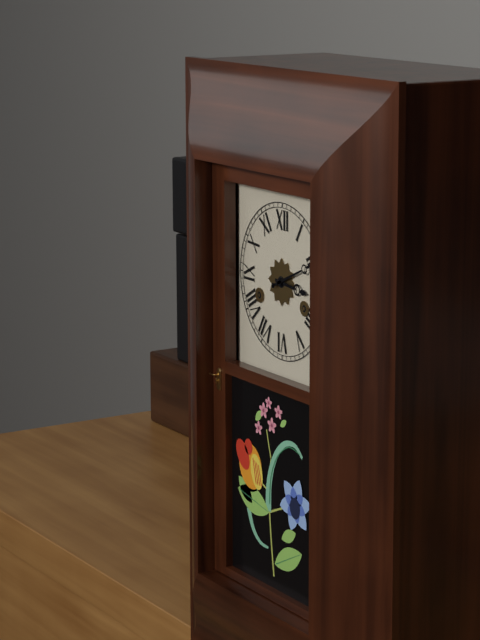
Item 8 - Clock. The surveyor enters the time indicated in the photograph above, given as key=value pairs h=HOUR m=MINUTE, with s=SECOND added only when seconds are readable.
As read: h=3 m=11
